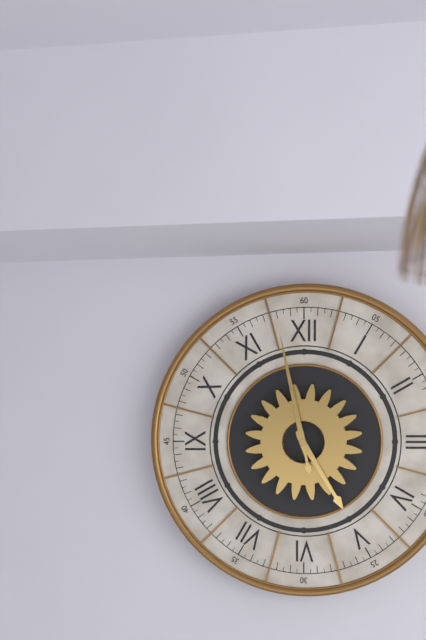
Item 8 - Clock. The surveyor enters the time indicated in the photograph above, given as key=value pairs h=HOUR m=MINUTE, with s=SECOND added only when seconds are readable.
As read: h=4 m=58
